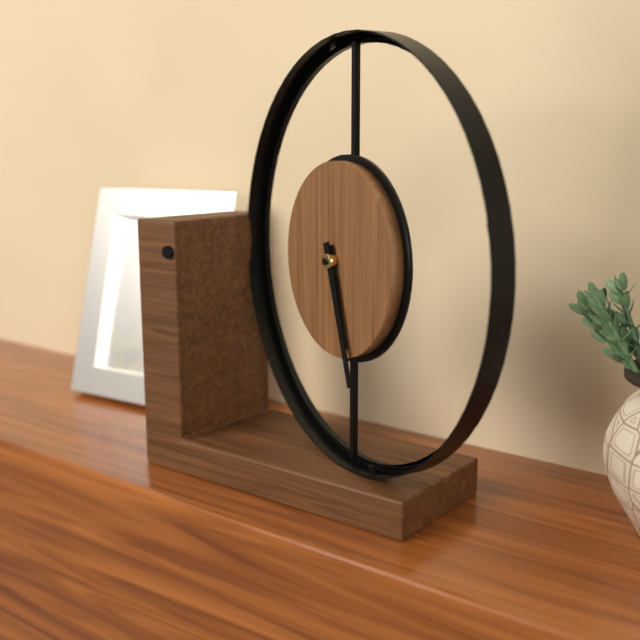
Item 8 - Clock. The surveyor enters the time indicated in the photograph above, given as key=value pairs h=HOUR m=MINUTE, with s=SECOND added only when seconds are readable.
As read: h=5 m=27
